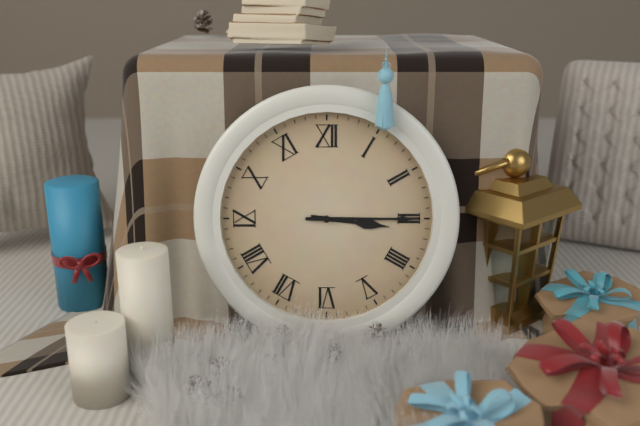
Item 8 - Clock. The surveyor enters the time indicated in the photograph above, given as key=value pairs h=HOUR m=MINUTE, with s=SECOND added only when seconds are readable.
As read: h=3 m=15
